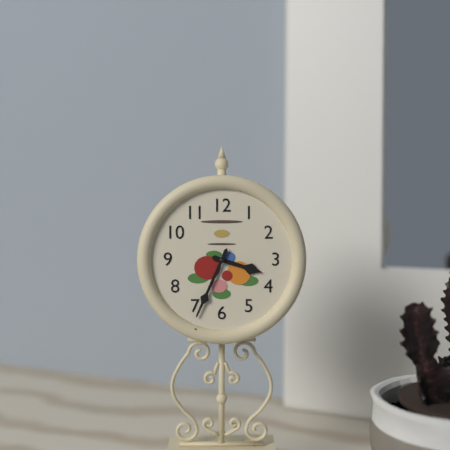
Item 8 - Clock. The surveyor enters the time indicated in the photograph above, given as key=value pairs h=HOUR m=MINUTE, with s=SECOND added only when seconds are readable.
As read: h=3 m=34
